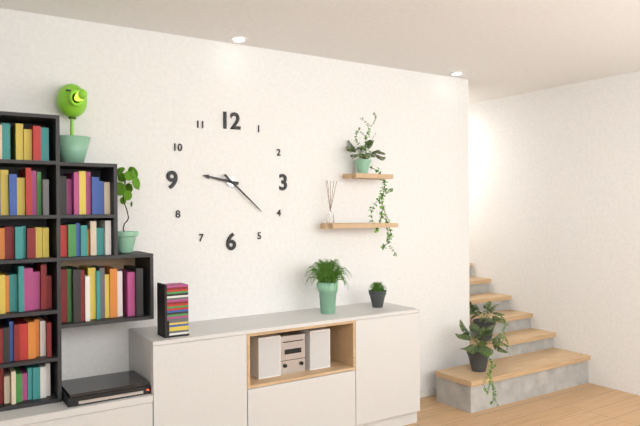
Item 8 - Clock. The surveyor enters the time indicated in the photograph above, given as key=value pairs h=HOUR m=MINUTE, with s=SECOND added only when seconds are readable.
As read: h=9 m=22
